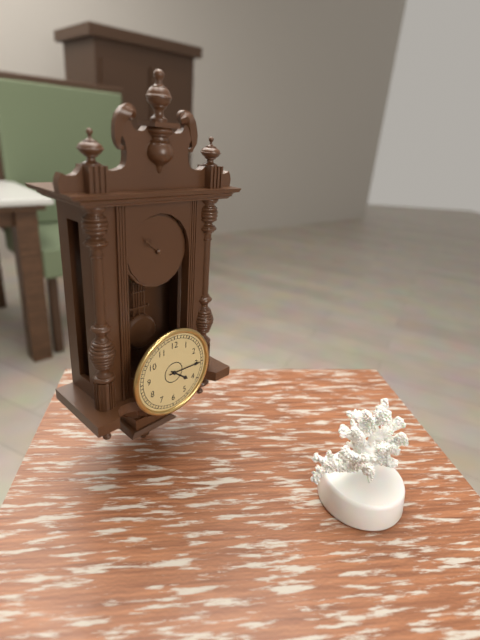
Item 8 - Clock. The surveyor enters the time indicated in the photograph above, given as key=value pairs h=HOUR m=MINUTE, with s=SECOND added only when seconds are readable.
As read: h=4 m=15
